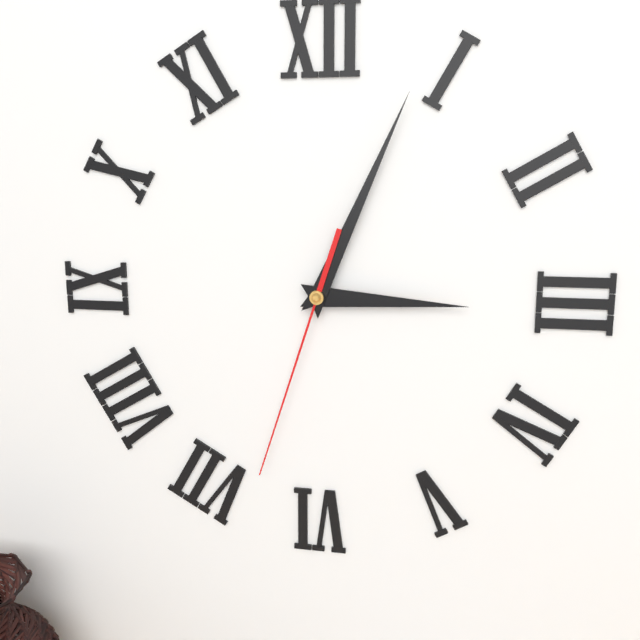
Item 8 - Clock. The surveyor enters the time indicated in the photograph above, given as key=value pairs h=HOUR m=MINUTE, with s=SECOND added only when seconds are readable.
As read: h=3 m=4 s=33
